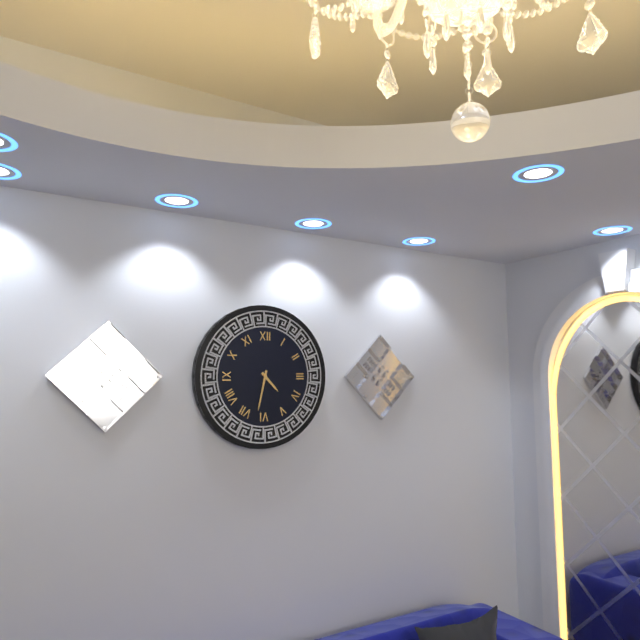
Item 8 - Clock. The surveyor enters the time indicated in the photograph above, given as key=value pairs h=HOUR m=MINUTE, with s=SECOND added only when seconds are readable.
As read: h=4 m=32
